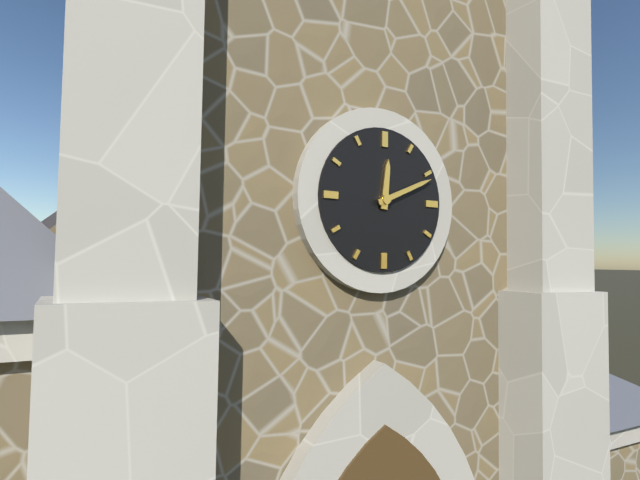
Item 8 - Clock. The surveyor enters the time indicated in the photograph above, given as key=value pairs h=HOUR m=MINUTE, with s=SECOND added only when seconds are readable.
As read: h=12 m=11
